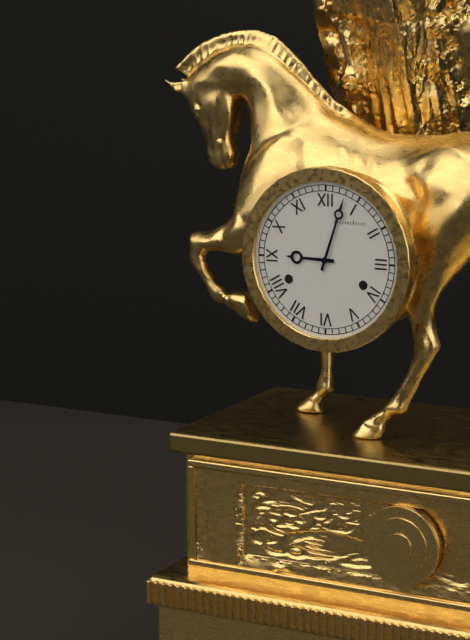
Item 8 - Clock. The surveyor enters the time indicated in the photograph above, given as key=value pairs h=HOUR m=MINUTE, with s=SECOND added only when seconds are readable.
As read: h=9 m=3
